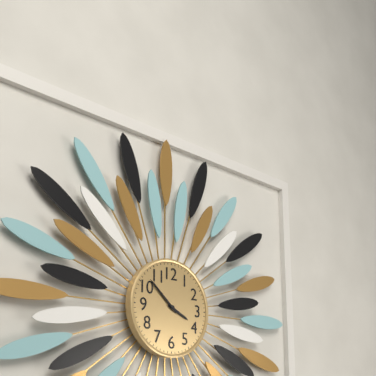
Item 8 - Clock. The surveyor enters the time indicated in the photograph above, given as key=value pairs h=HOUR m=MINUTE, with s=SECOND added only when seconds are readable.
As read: h=3 m=52
